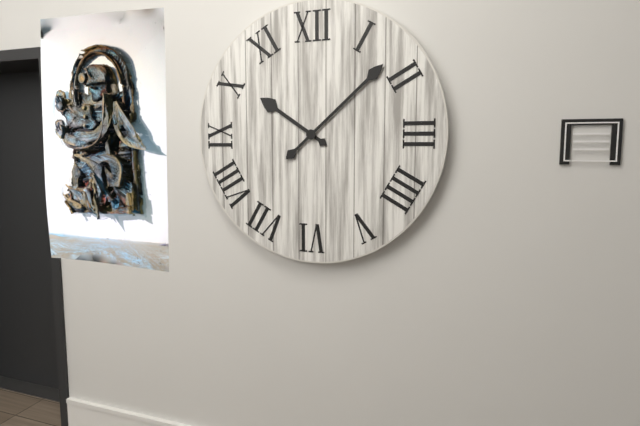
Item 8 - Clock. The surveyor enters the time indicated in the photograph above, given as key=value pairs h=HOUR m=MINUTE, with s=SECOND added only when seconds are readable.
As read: h=10 m=8
